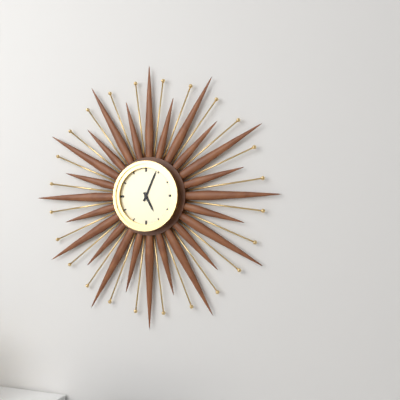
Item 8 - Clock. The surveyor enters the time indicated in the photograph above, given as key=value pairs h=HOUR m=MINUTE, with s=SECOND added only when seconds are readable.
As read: h=5 m=4
